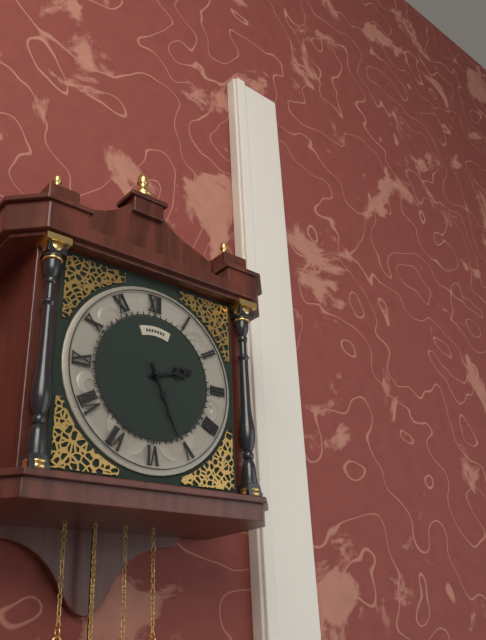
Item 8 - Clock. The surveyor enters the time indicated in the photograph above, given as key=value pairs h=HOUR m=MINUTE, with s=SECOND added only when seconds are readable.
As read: h=2 m=26
